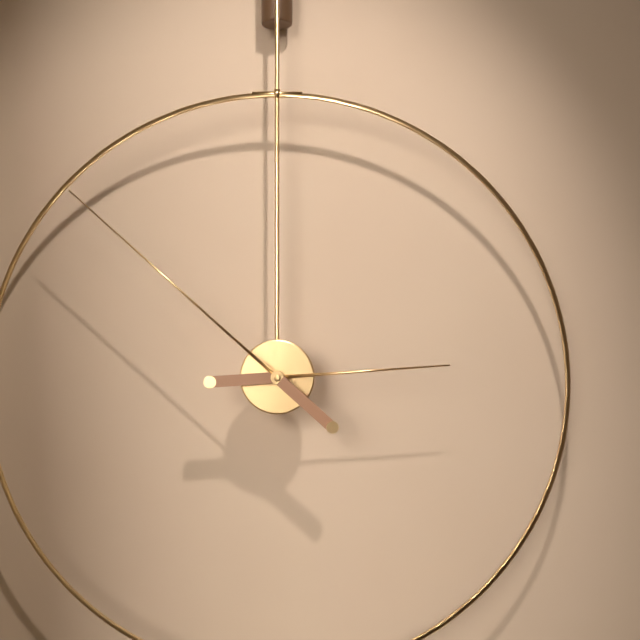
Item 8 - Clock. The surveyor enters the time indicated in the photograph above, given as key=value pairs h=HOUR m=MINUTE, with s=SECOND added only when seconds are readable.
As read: h=2 m=52
